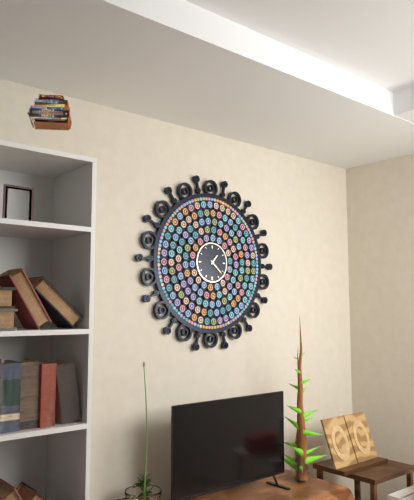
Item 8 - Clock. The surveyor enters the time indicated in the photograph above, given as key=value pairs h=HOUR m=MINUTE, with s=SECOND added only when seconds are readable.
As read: h=1 m=22
